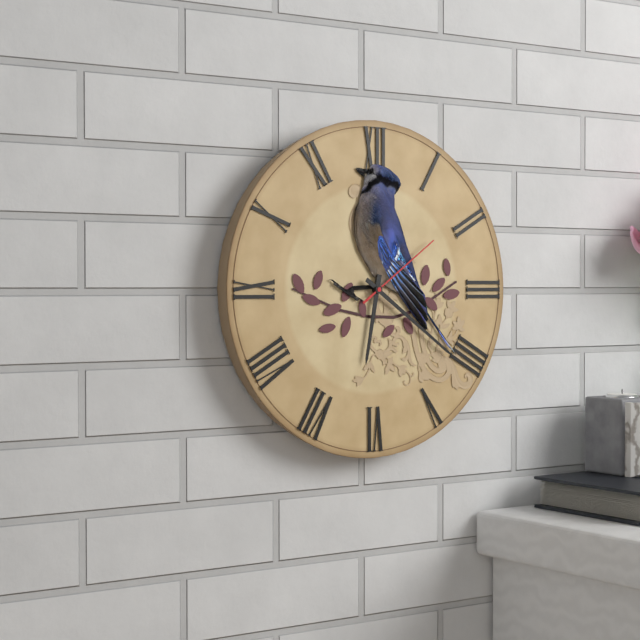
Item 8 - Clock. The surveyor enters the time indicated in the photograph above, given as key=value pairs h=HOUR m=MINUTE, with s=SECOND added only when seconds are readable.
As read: h=6 m=21 s=9
